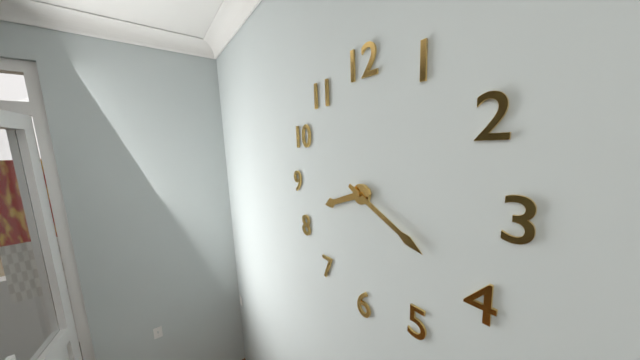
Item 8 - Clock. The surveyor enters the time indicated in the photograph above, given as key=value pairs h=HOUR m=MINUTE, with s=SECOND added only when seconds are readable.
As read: h=8 m=20
